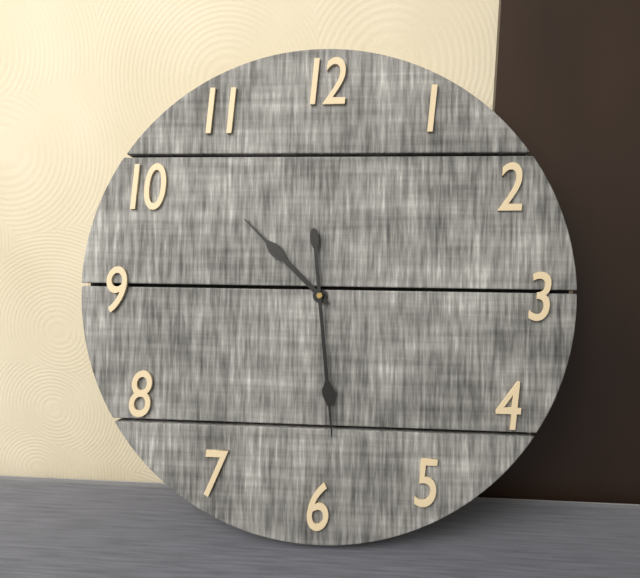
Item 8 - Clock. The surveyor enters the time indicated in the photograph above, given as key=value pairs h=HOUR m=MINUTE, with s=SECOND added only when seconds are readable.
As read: h=10 m=29
